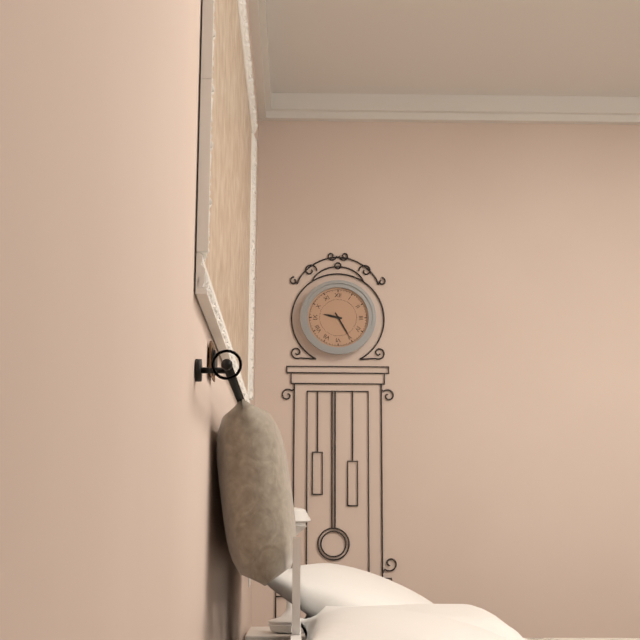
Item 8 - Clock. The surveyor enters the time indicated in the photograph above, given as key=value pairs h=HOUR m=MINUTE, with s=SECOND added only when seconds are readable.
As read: h=9 m=25
